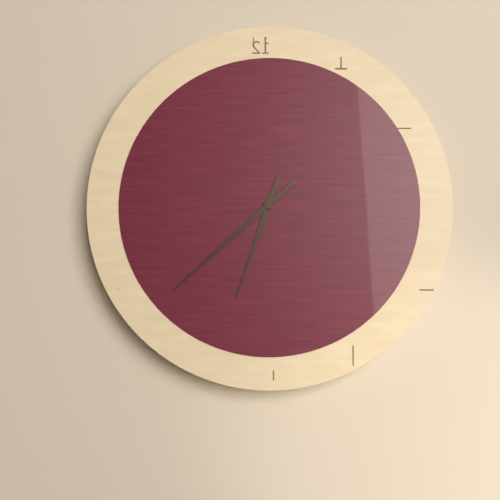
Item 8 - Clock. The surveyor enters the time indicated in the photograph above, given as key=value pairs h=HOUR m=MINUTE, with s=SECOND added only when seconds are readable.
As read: h=6 m=38
